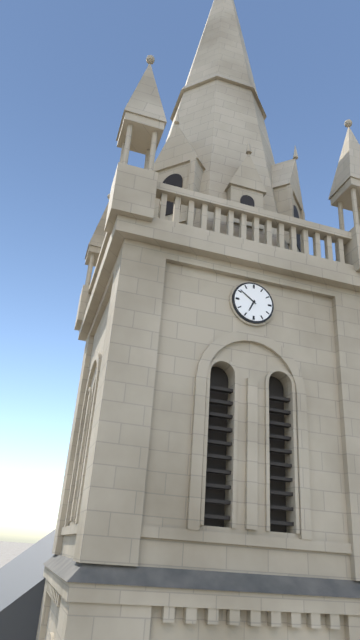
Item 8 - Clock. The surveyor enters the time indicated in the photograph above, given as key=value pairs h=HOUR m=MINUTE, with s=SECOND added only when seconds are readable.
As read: h=6 m=51
